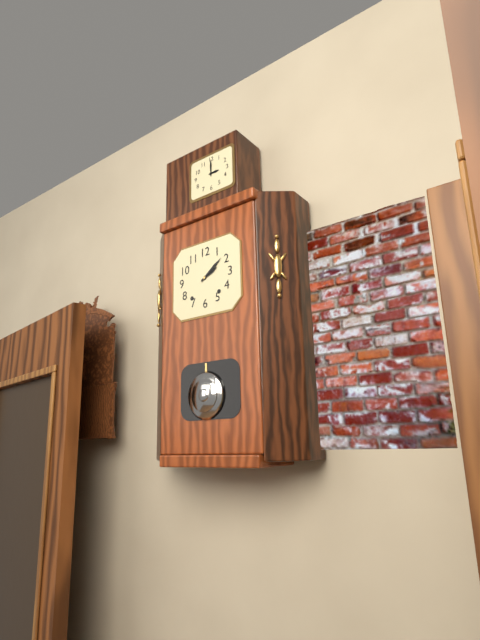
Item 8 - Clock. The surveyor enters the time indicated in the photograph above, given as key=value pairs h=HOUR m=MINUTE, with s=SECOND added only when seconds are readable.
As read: h=2 m=9
